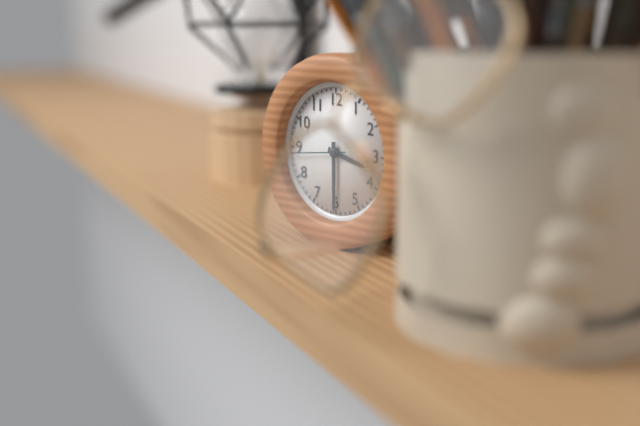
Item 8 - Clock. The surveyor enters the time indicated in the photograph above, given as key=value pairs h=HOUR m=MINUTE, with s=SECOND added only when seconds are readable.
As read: h=3 m=30 s=44
